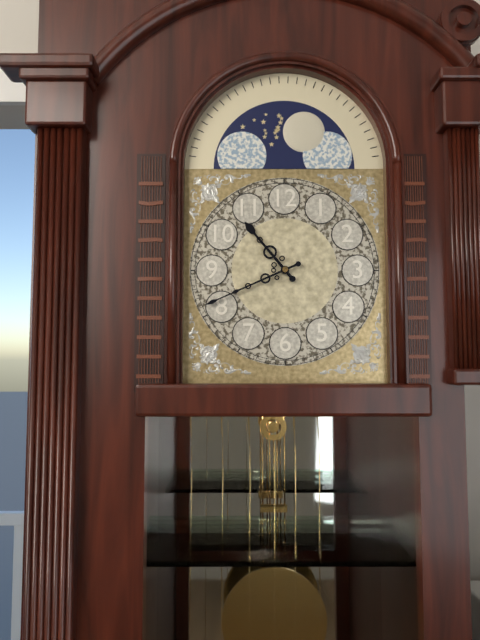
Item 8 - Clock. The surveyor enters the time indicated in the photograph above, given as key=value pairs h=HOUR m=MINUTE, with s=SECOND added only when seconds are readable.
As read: h=10 m=41
